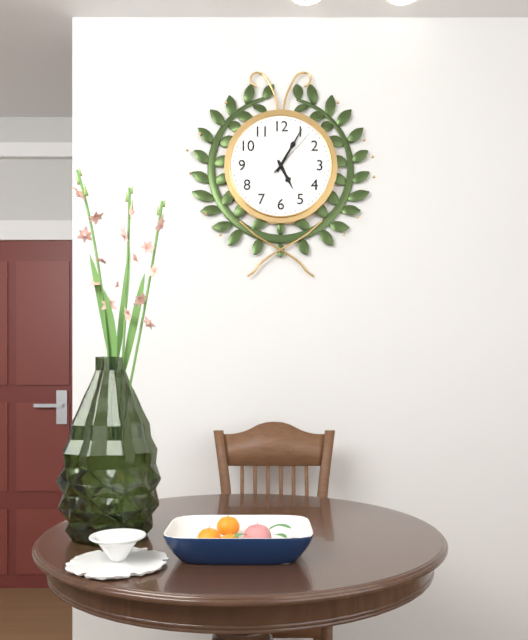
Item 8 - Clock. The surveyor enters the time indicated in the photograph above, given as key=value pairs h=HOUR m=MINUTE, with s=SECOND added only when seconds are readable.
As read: h=5 m=5 s=7
